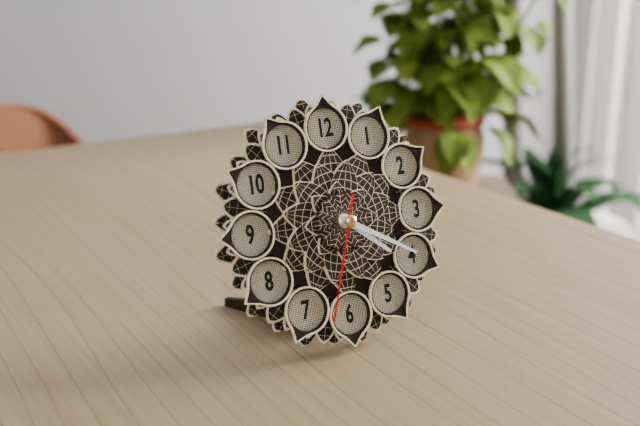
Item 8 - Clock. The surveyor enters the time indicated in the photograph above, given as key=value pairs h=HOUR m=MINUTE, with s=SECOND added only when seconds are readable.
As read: h=4 m=20 s=33
